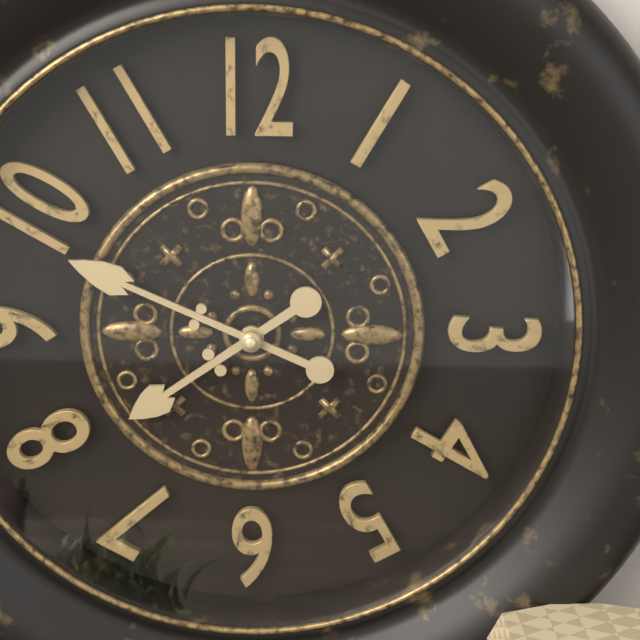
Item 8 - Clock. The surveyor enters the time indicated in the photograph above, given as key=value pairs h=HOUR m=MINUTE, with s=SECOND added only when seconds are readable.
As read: h=7 m=49
